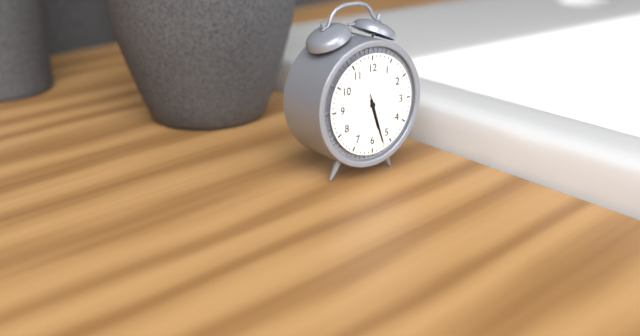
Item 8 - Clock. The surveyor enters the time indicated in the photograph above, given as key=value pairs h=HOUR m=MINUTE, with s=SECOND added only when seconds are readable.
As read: h=5 m=27 s=27
